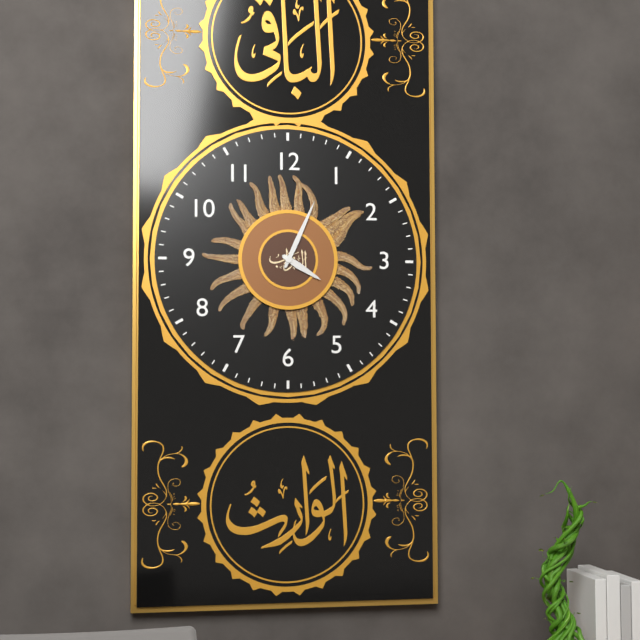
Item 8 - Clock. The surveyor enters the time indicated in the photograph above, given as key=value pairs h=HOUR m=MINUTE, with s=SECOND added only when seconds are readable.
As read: h=4 m=4
